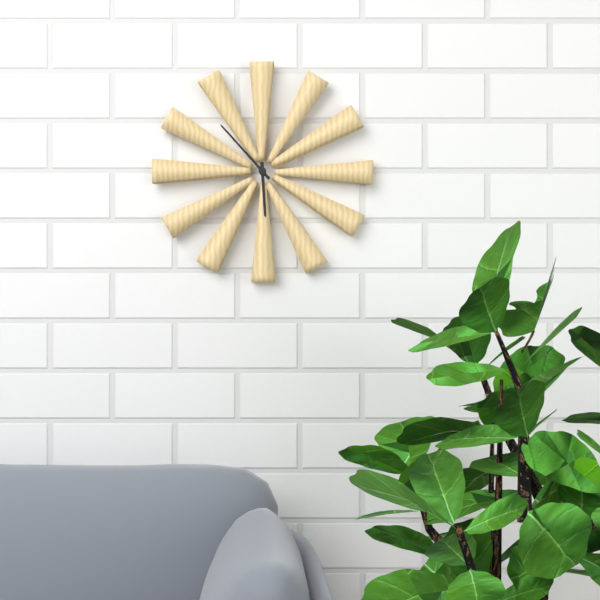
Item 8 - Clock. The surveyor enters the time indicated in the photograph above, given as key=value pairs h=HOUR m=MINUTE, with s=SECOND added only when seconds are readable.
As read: h=5 m=53
